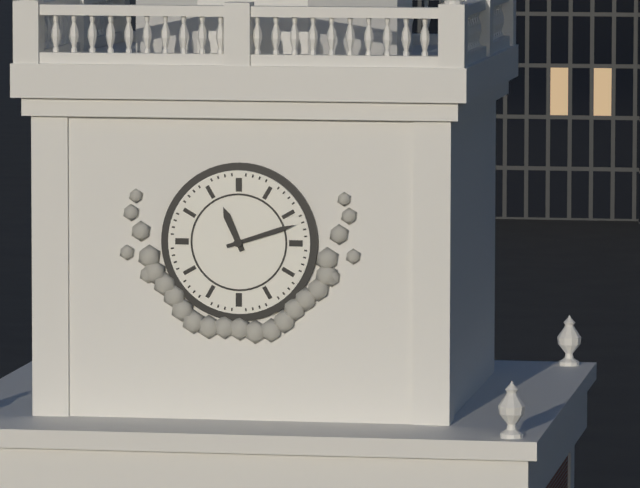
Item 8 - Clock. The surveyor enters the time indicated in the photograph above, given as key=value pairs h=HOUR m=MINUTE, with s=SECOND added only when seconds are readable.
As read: h=11 m=12
